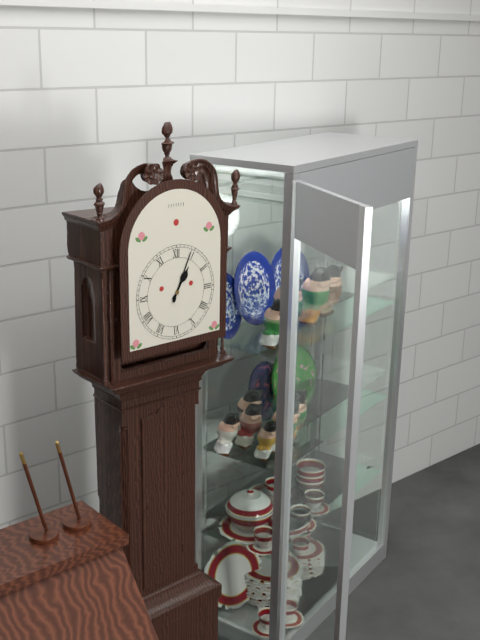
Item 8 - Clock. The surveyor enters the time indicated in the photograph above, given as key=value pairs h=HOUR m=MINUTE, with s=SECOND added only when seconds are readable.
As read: h=1 m=4
